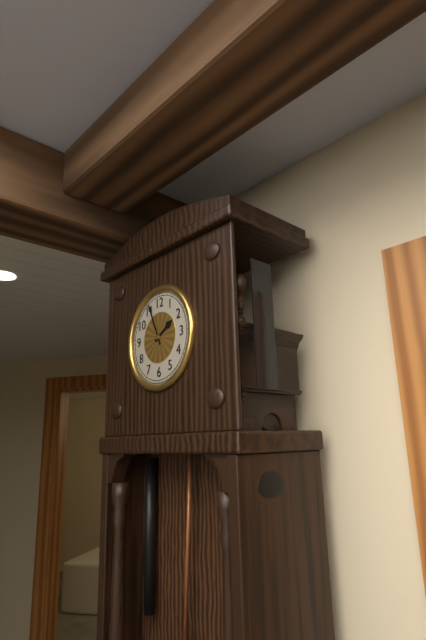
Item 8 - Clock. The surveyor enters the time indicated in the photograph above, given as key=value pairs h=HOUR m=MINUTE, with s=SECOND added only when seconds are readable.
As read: h=1 m=56
